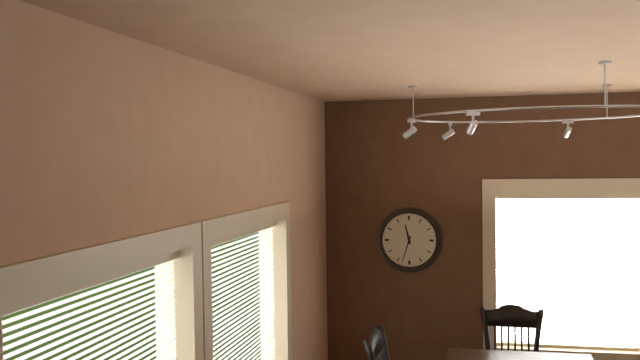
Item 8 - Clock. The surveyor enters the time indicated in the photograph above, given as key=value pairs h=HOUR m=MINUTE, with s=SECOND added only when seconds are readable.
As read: h=11 m=33
